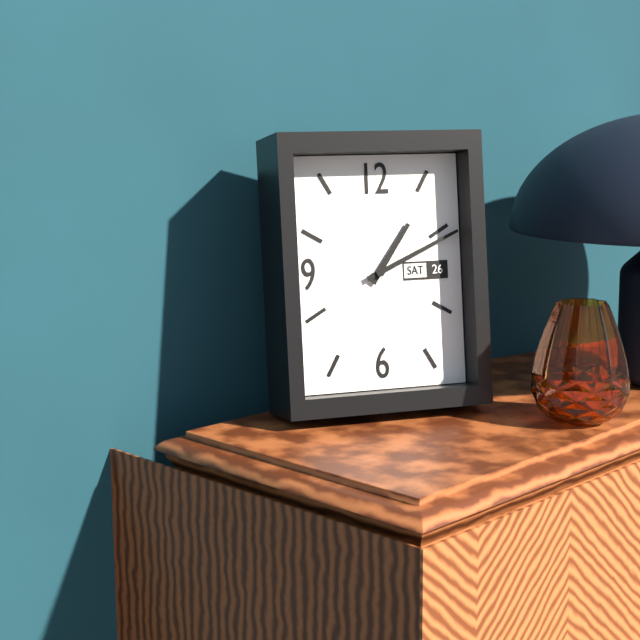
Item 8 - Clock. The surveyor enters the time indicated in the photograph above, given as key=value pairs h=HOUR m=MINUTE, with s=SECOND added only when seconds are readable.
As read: h=1 m=11
